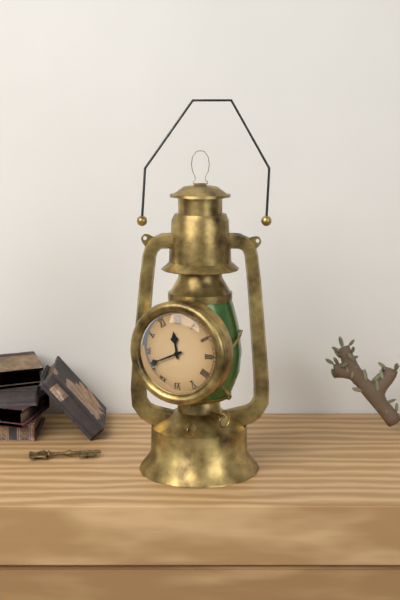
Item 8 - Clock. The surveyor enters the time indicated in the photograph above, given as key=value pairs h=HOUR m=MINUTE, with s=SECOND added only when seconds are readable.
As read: h=11 m=41
